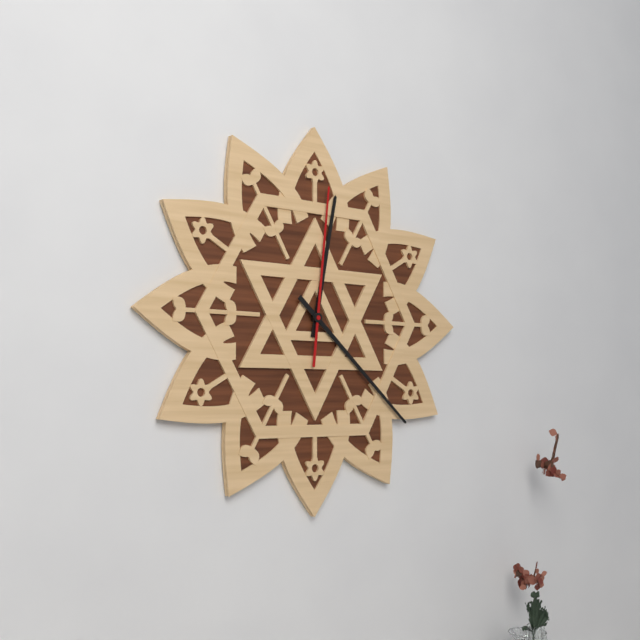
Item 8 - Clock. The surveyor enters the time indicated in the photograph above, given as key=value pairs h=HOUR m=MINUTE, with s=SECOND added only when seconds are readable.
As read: h=12 m=22 s=1
